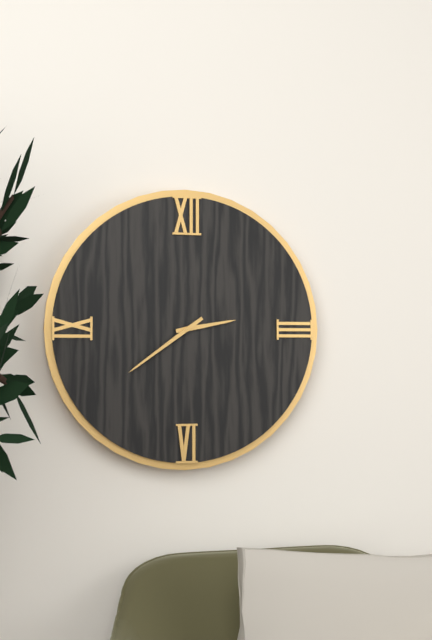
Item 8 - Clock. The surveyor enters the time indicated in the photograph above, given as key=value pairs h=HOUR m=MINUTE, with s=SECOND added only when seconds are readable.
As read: h=2 m=39
